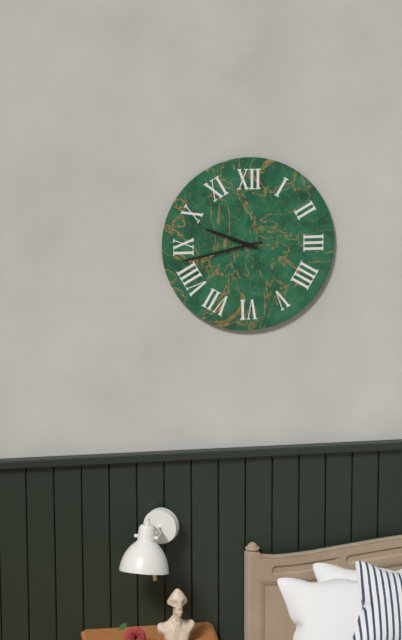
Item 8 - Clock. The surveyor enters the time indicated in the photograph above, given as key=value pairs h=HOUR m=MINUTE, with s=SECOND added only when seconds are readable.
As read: h=9 m=43
